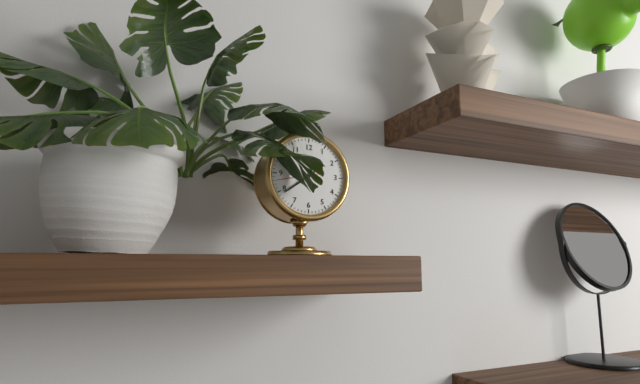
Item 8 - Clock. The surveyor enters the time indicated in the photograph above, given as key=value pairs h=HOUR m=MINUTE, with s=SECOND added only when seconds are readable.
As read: h=12 m=39
